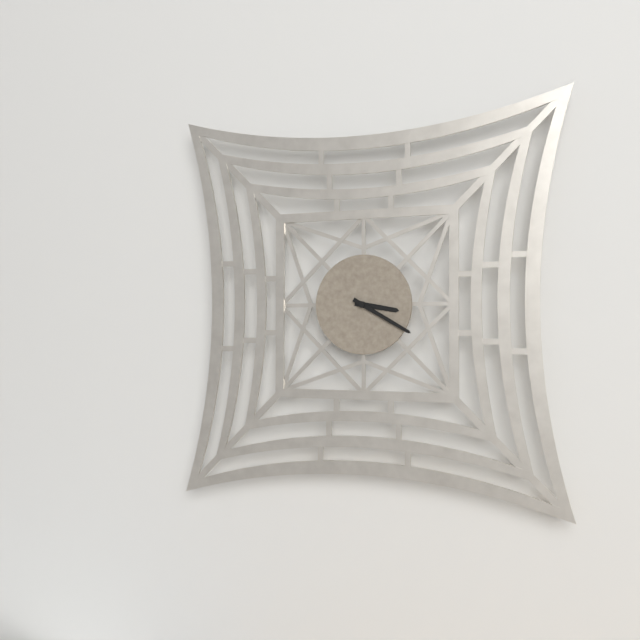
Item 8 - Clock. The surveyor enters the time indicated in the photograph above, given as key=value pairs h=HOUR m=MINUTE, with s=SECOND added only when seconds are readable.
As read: h=3 m=20
